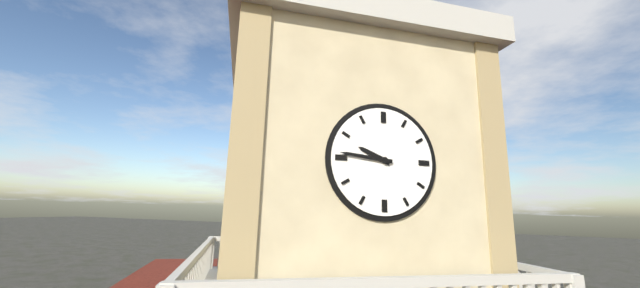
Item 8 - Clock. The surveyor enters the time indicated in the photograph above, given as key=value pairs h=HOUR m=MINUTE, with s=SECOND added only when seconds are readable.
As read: h=9 m=46
